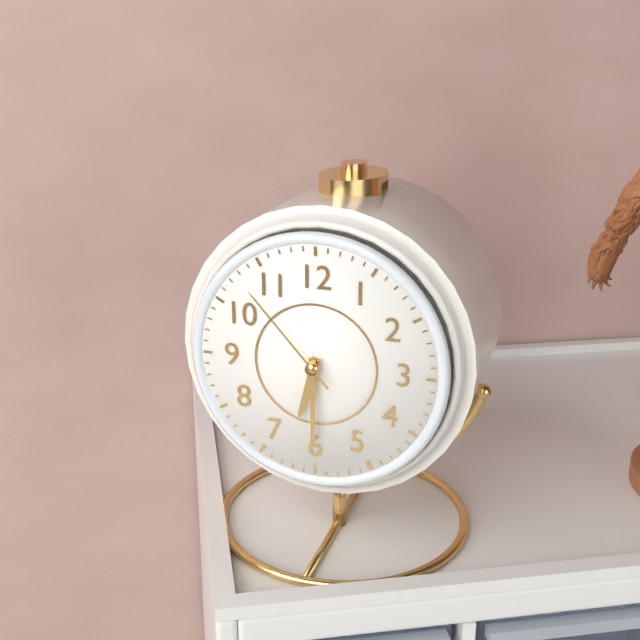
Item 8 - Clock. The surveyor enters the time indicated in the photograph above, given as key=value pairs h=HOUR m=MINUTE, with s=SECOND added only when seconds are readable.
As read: h=6 m=30 s=53
